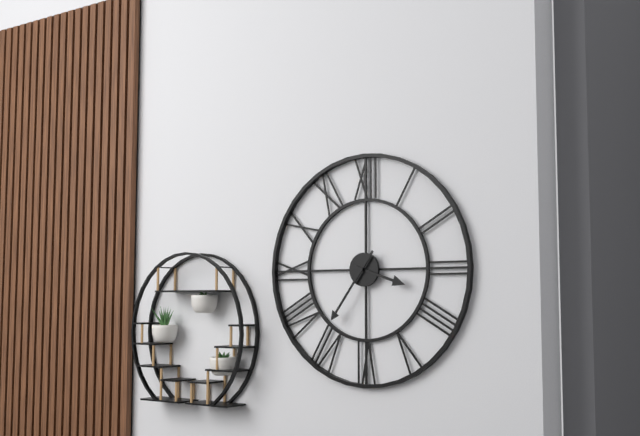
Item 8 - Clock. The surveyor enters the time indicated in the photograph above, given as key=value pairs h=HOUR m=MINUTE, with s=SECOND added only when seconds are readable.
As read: h=3 m=36
